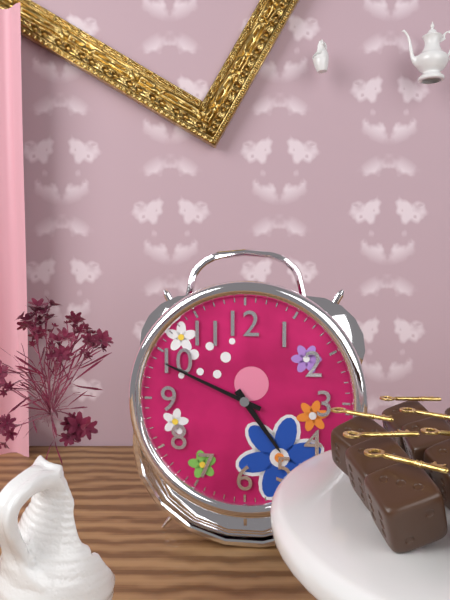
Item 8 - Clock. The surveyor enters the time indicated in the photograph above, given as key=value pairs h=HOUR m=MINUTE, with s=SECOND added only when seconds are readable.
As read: h=4 m=49
